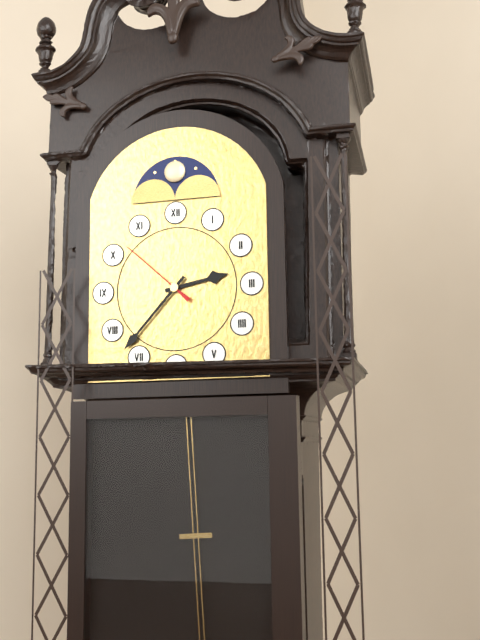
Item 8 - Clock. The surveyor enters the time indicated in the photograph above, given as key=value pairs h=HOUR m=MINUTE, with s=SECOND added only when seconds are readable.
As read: h=2 m=37 s=52
